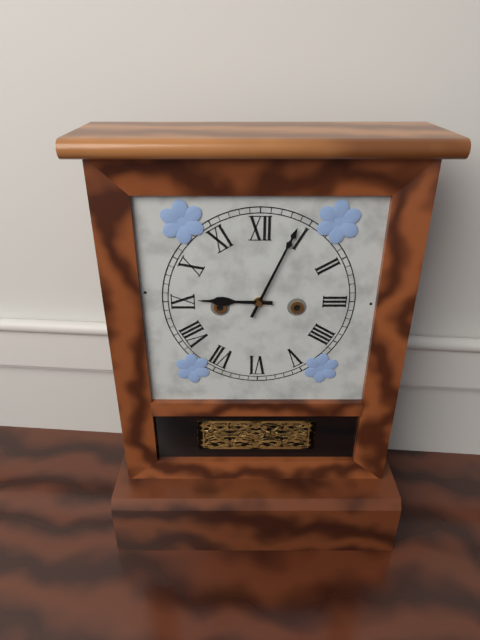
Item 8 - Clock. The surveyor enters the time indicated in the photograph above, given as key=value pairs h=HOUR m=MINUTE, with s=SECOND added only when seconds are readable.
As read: h=9 m=4
